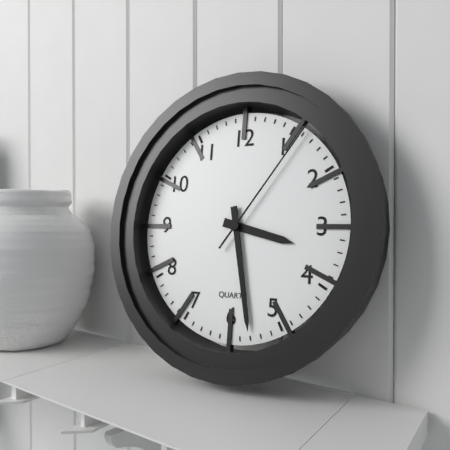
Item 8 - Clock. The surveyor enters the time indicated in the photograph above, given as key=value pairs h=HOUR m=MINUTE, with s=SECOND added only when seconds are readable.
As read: h=3 m=28 s=6
